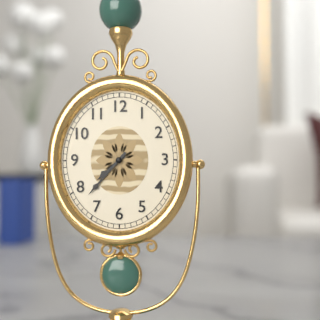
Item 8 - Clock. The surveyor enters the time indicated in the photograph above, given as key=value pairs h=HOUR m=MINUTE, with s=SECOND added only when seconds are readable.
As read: h=7 m=37
